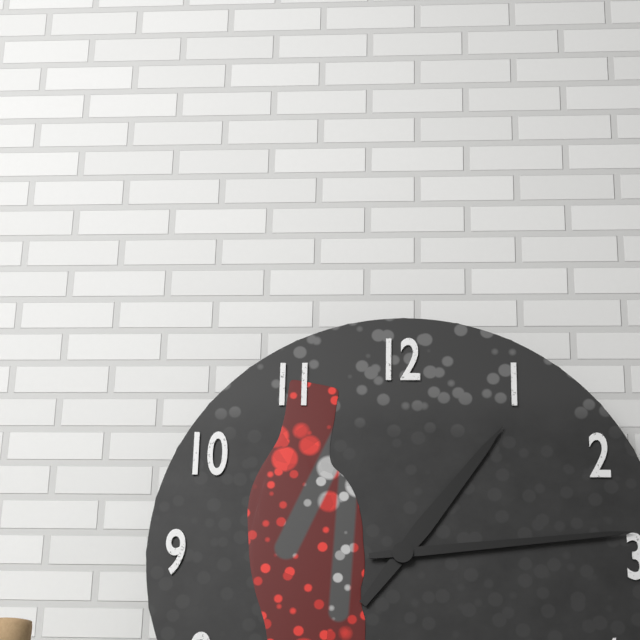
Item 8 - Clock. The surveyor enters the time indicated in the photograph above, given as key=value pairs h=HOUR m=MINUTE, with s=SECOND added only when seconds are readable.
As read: h=1 m=14
